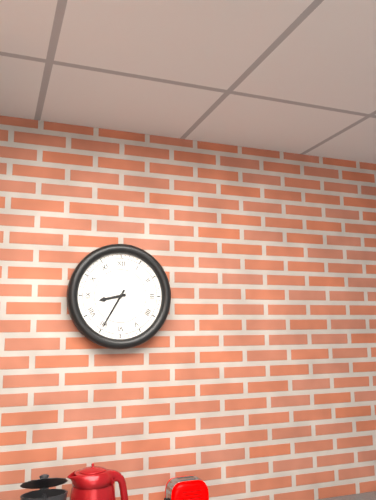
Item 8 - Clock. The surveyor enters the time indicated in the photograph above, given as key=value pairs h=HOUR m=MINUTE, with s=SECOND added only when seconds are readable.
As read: h=8 m=35
